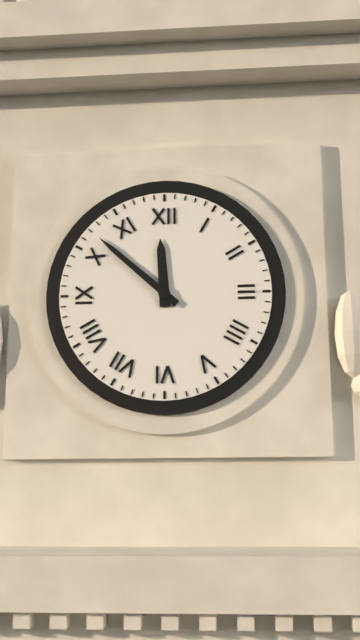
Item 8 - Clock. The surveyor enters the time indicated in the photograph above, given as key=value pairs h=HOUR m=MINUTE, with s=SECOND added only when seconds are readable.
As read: h=11 m=52
